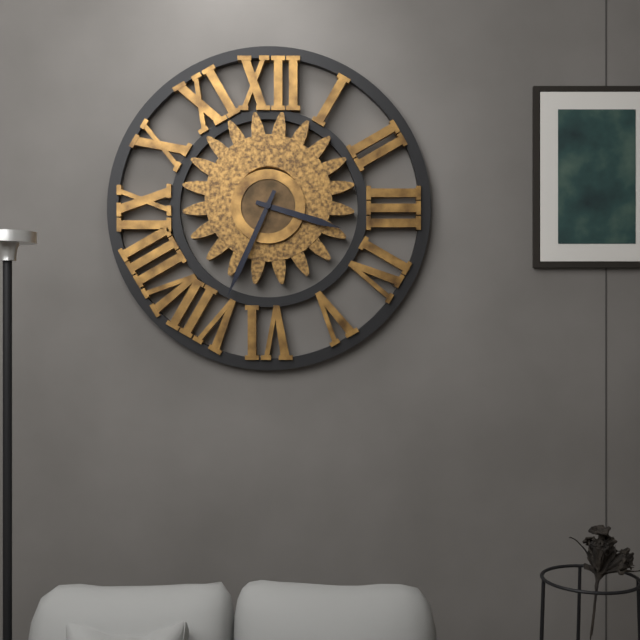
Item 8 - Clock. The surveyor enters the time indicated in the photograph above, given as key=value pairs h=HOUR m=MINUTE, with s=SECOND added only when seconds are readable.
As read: h=3 m=34
